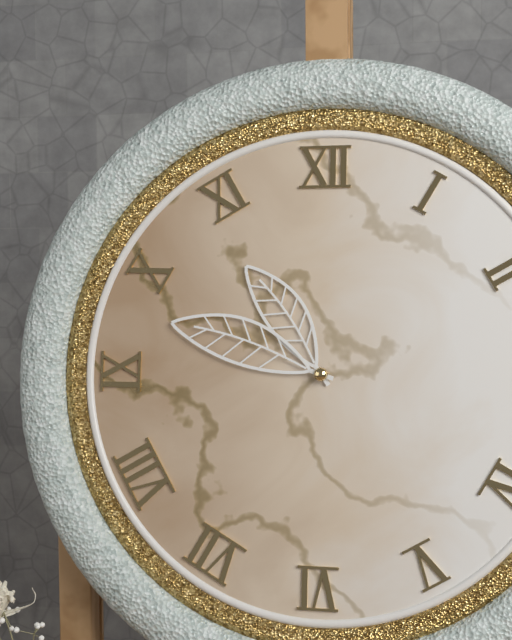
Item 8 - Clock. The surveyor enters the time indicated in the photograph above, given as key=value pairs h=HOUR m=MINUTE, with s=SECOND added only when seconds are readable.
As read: h=10 m=48
